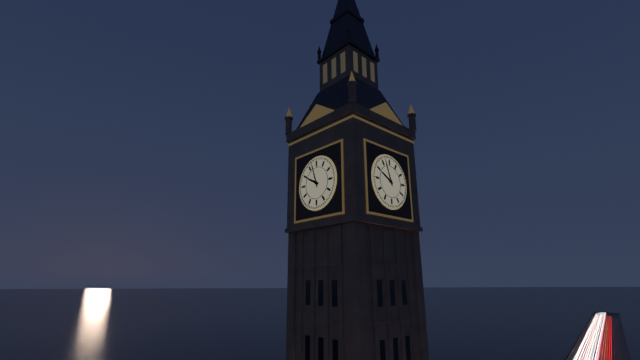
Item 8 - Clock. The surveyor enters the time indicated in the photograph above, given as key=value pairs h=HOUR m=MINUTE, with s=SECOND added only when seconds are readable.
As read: h=9 m=57
